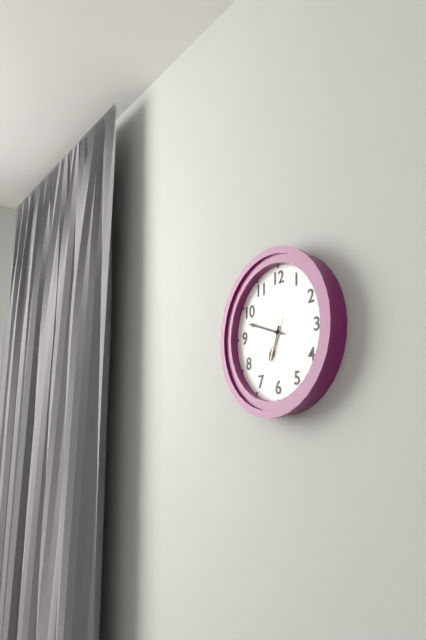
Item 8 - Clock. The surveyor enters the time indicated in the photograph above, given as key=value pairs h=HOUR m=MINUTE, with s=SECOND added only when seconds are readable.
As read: h=6 m=48 s=33
